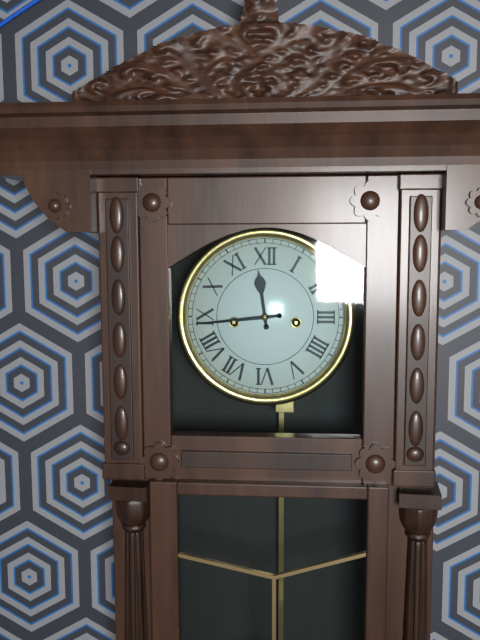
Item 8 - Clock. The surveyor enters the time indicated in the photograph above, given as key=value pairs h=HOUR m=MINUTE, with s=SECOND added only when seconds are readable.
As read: h=11 m=44
